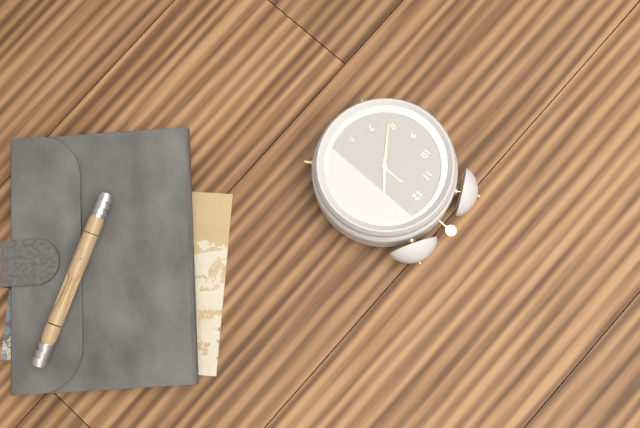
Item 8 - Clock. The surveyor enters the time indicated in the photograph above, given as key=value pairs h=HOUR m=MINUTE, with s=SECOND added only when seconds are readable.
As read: h=1 m=39
